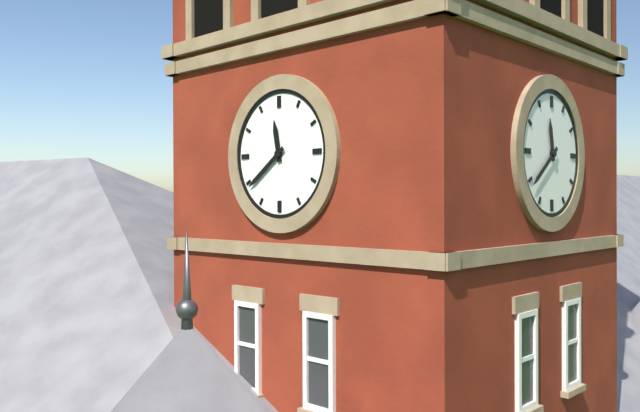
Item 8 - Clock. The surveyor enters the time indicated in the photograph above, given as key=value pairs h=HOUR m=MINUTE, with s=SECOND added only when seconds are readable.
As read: h=11 m=39
